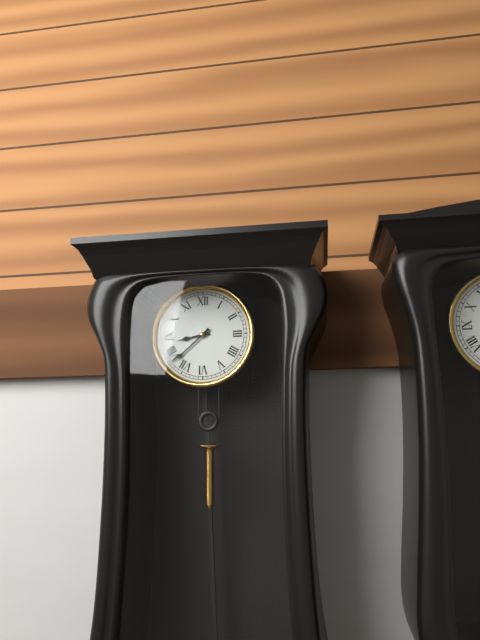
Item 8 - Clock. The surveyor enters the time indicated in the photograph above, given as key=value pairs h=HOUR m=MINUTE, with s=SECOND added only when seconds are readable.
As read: h=8 m=38
